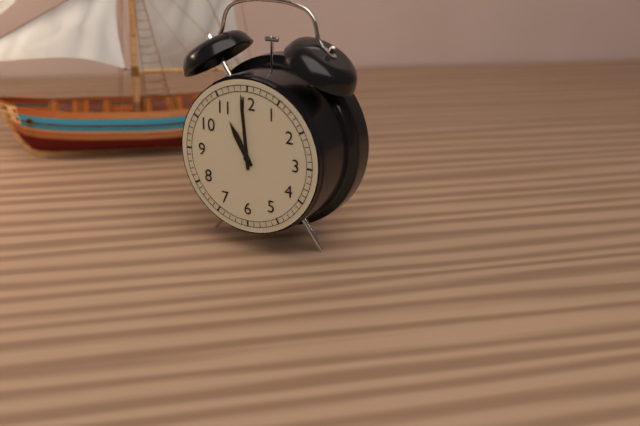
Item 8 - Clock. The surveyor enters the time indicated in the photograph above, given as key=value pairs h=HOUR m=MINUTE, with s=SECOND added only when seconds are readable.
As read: h=10 m=59
